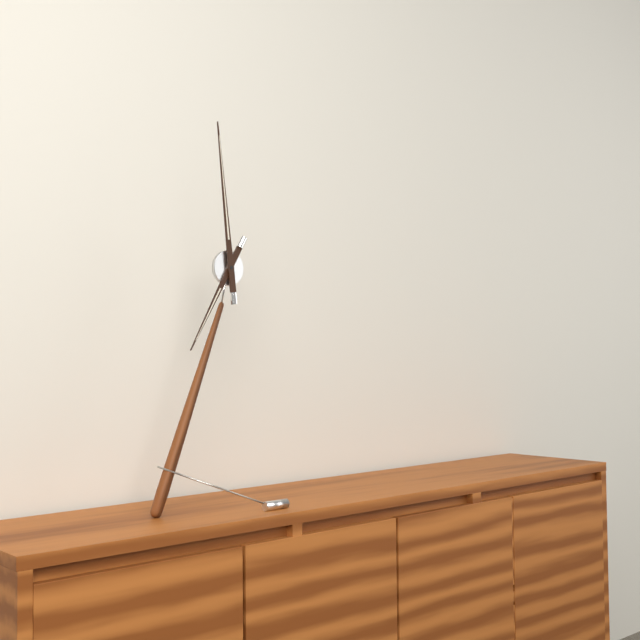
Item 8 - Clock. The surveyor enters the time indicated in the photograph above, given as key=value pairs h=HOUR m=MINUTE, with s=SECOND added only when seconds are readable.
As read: h=6 m=59
